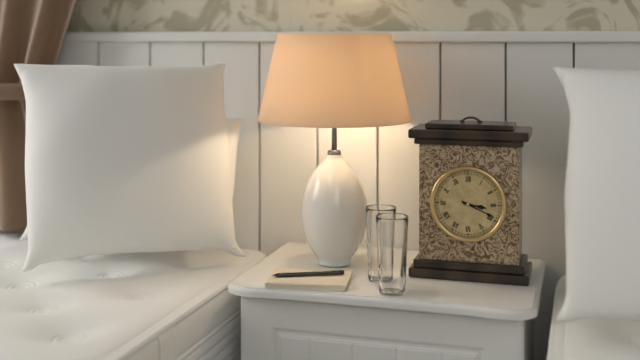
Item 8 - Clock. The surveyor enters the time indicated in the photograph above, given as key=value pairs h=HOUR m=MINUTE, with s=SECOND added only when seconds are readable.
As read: h=3 m=19
